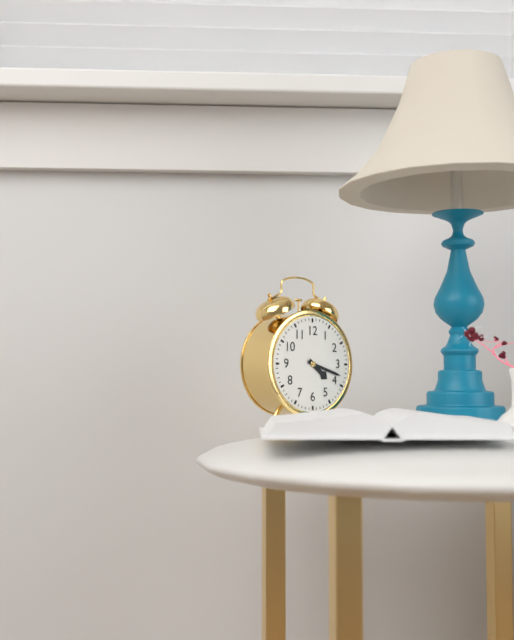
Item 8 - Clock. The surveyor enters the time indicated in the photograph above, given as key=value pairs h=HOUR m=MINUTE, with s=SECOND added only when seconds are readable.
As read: h=4 m=18
